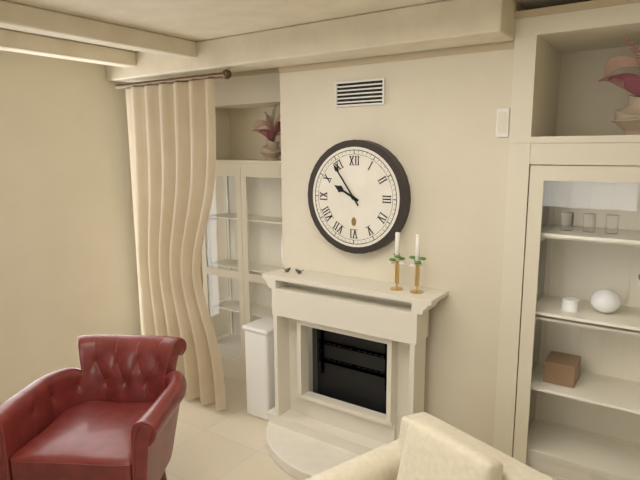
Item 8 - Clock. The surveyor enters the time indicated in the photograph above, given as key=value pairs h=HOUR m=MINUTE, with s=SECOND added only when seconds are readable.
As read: h=9 m=54
